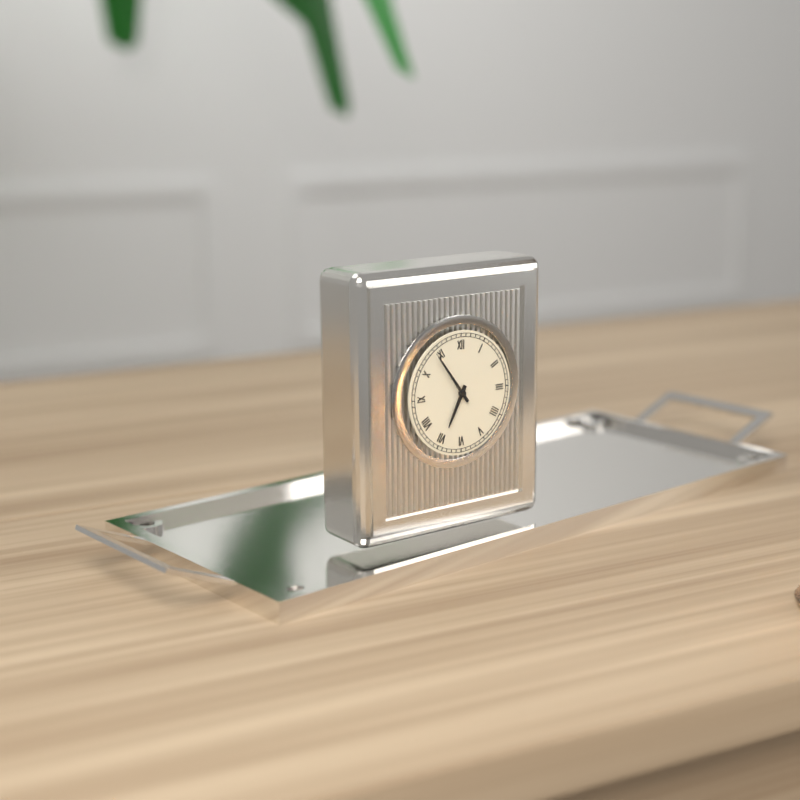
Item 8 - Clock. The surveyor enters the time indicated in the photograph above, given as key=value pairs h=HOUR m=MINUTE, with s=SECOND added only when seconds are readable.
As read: h=6 m=54
